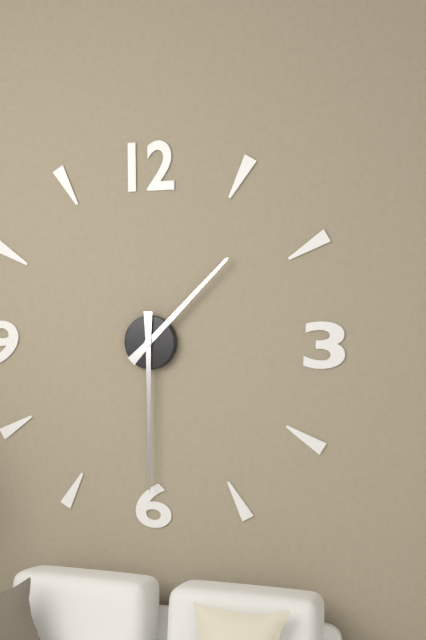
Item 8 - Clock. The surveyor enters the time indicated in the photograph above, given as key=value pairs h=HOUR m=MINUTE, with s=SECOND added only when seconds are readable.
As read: h=1 m=30
